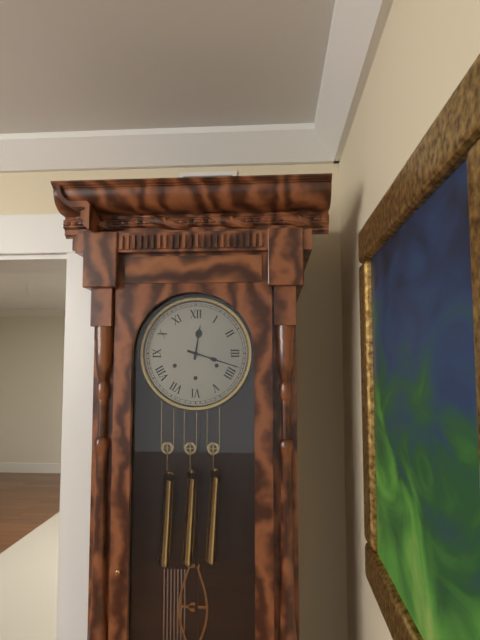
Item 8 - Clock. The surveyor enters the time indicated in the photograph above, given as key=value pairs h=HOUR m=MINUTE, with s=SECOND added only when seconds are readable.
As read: h=12 m=18
